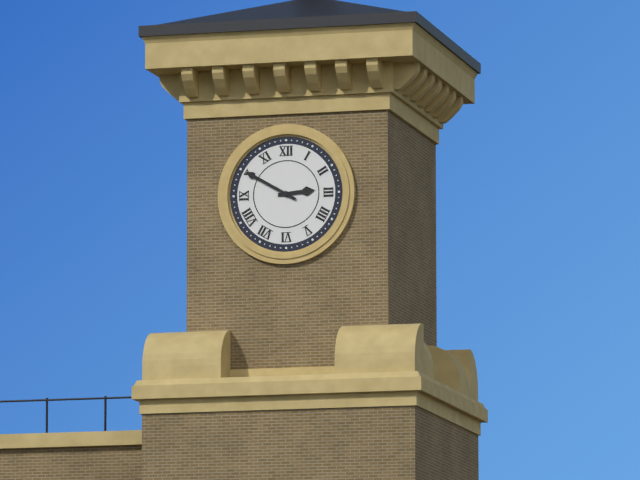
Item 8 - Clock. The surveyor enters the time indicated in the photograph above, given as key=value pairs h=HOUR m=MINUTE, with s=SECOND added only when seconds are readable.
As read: h=2 m=50
